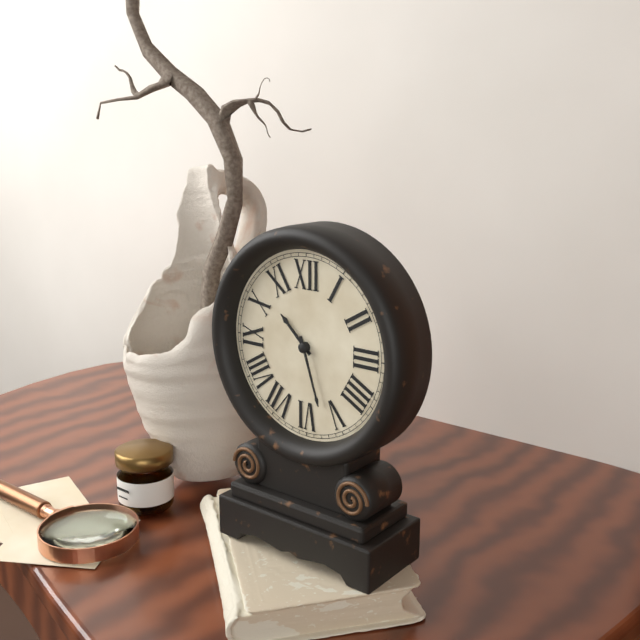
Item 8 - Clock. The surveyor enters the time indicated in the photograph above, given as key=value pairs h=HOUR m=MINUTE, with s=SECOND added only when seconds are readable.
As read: h=10 m=27
